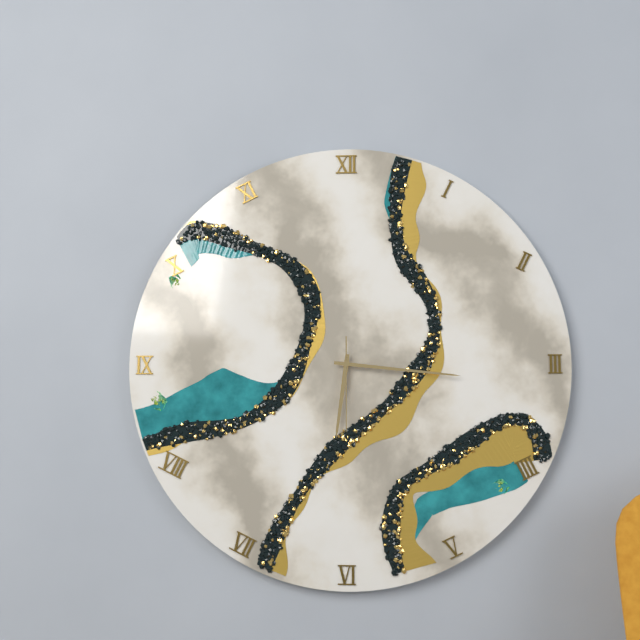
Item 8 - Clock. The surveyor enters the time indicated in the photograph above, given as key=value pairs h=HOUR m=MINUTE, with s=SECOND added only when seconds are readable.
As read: h=6 m=16 s=30
